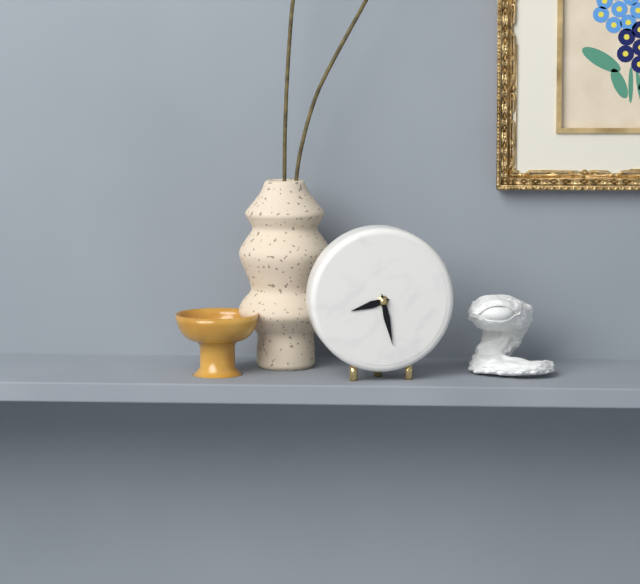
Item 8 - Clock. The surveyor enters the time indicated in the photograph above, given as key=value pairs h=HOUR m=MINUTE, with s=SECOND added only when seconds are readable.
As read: h=8 m=28
